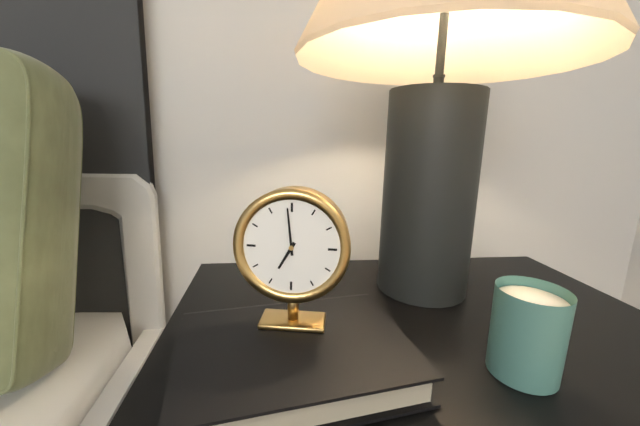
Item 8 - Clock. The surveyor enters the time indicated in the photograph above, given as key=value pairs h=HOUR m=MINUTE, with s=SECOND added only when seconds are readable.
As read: h=6 m=59
